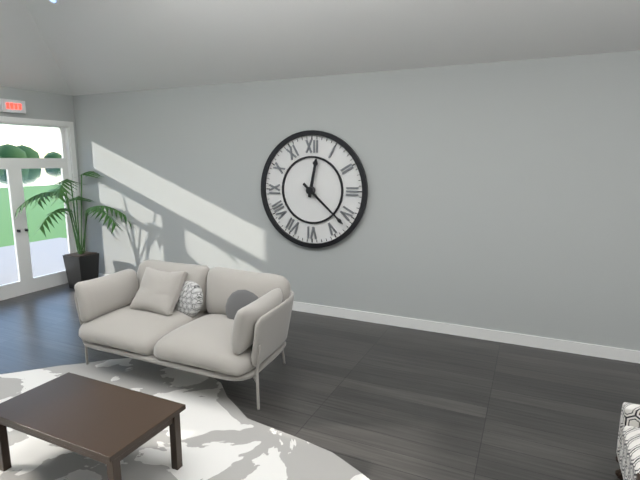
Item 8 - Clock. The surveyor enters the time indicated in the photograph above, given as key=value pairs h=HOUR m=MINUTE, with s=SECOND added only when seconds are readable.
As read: h=12 m=22
